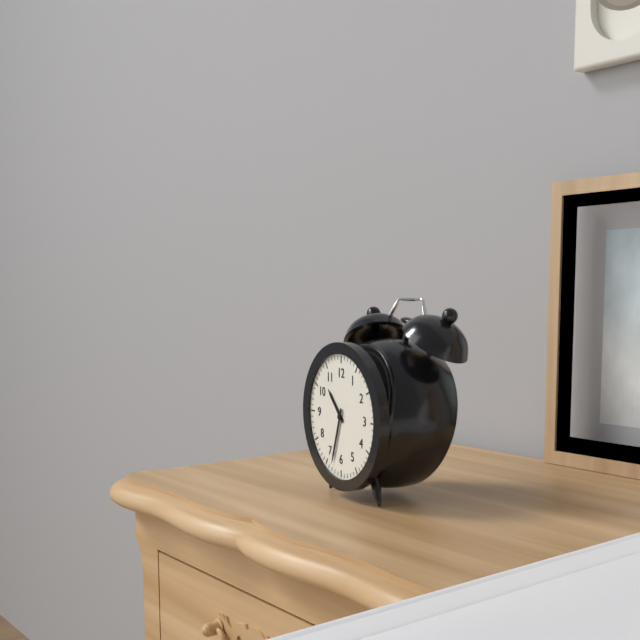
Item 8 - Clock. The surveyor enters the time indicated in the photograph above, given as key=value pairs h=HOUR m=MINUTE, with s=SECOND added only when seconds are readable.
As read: h=10 m=33
